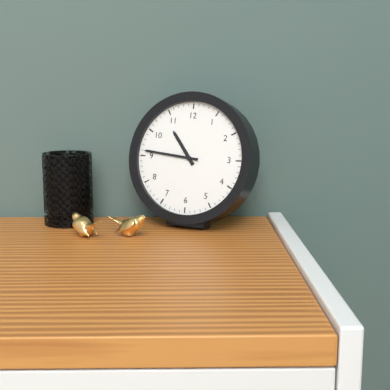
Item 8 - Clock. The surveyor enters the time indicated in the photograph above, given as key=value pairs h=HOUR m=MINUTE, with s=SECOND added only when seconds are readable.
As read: h=10 m=46
